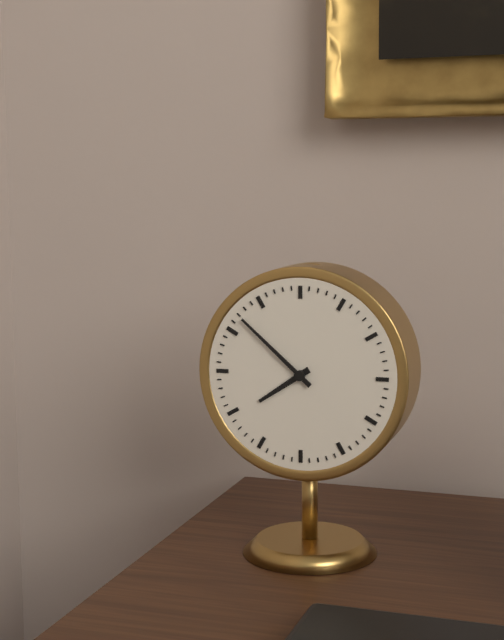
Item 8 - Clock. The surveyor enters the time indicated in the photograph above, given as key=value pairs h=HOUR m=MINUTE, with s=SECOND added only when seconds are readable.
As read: h=7 m=52
